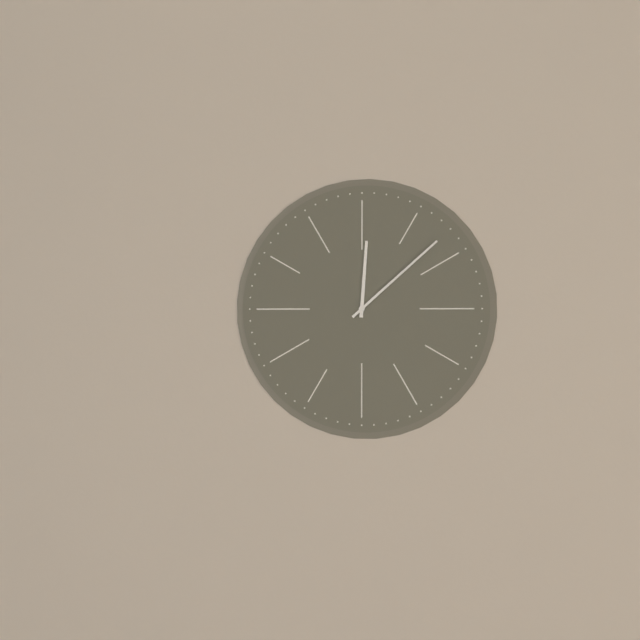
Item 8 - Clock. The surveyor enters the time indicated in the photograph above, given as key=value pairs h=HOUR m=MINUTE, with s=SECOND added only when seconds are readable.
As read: h=12 m=8
